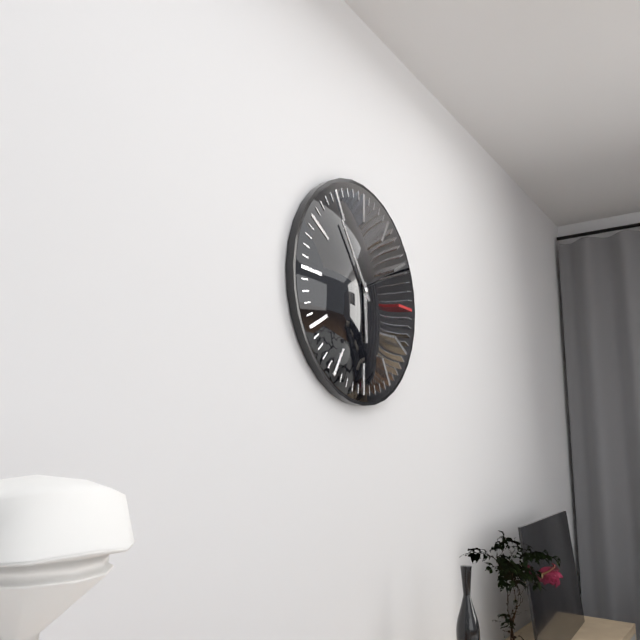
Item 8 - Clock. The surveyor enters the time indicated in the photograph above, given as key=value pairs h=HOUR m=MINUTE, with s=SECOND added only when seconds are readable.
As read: h=5 m=54
